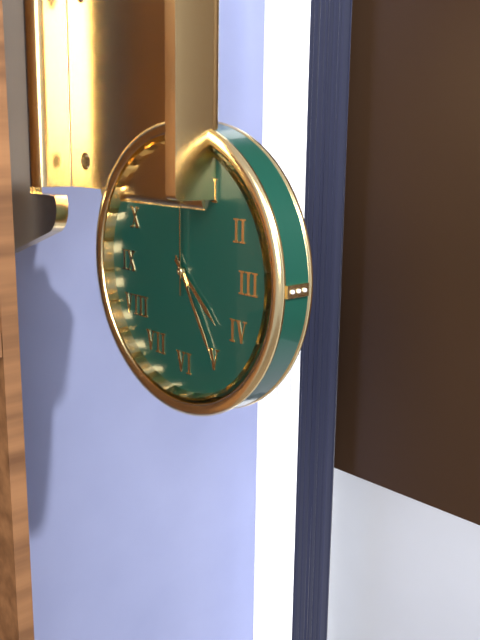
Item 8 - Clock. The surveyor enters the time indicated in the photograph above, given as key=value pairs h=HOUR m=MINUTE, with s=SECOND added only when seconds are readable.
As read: h=4 m=25
